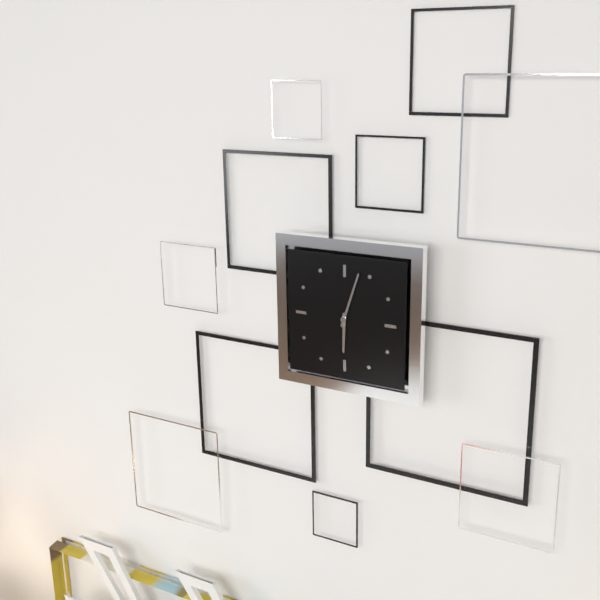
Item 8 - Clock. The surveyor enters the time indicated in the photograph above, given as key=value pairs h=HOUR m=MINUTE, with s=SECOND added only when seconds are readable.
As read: h=6 m=3
